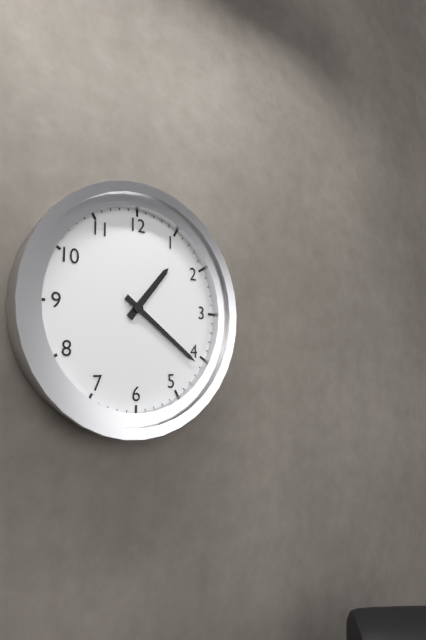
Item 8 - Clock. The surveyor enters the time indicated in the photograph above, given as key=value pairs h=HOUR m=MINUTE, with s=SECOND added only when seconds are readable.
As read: h=1 m=21
